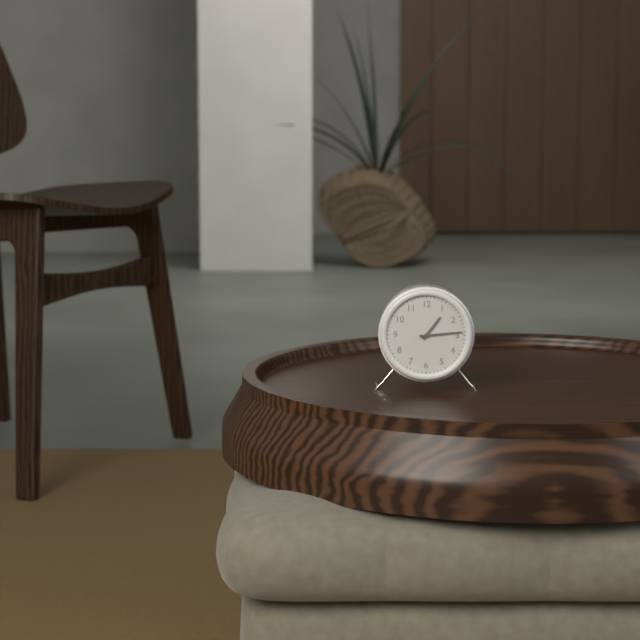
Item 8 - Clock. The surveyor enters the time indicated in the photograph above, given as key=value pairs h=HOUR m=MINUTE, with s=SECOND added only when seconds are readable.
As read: h=1 m=14
